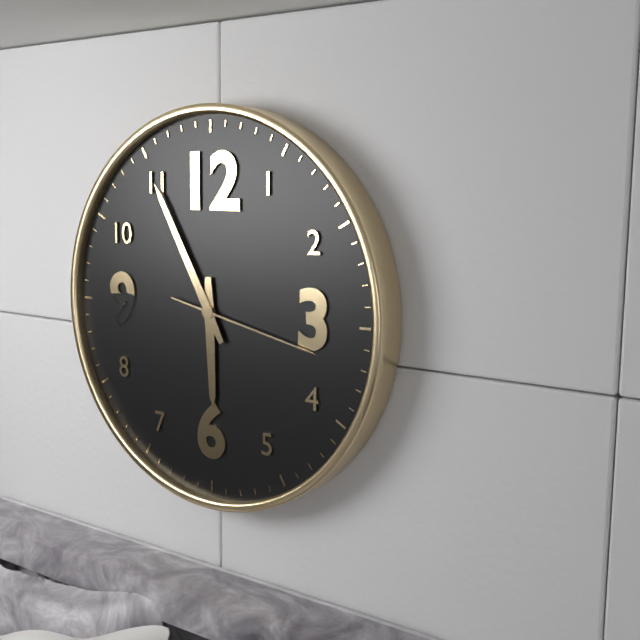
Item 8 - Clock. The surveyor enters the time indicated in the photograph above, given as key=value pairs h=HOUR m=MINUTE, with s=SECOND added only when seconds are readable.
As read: h=5 m=55 s=17
